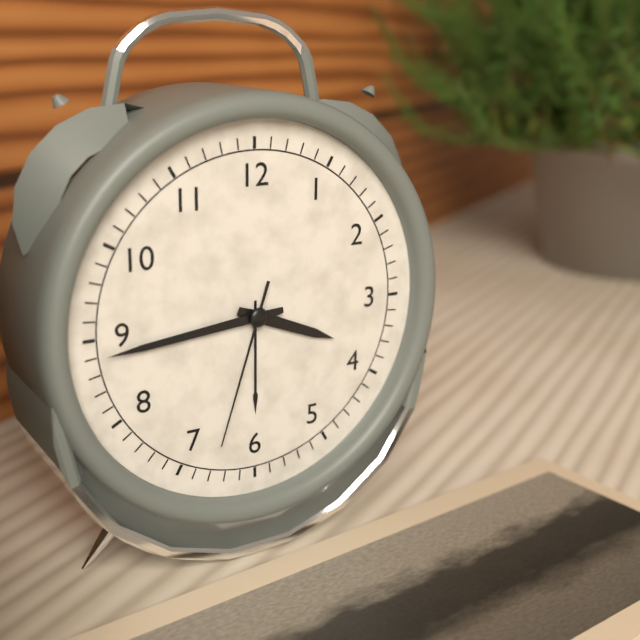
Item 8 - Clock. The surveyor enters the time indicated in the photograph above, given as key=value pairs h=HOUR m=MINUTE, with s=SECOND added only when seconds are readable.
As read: h=3 m=44 s=33
